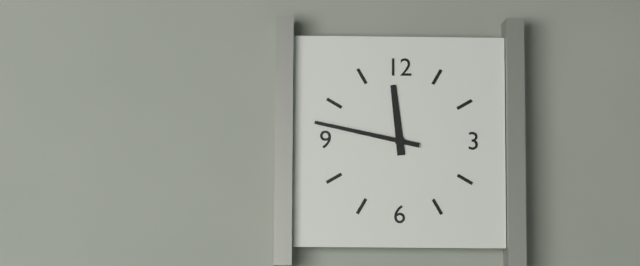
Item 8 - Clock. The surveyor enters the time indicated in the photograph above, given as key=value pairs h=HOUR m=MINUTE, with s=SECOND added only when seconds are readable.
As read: h=11 m=47
